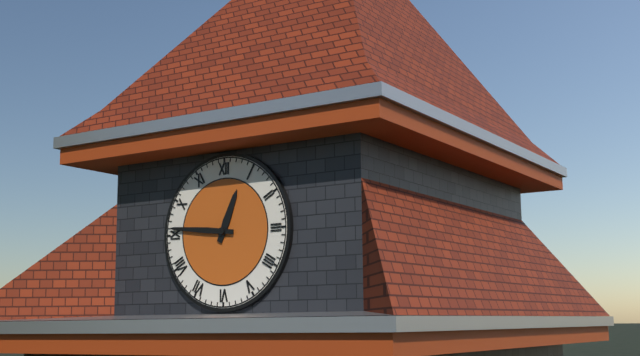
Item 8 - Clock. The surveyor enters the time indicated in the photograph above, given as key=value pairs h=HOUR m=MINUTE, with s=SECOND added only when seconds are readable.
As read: h=12 m=46
